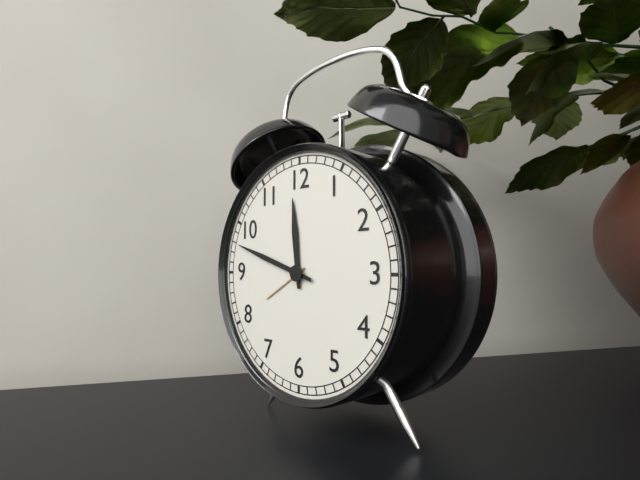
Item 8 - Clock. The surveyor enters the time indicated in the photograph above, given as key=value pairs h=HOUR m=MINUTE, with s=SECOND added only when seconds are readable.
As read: h=11 m=48
